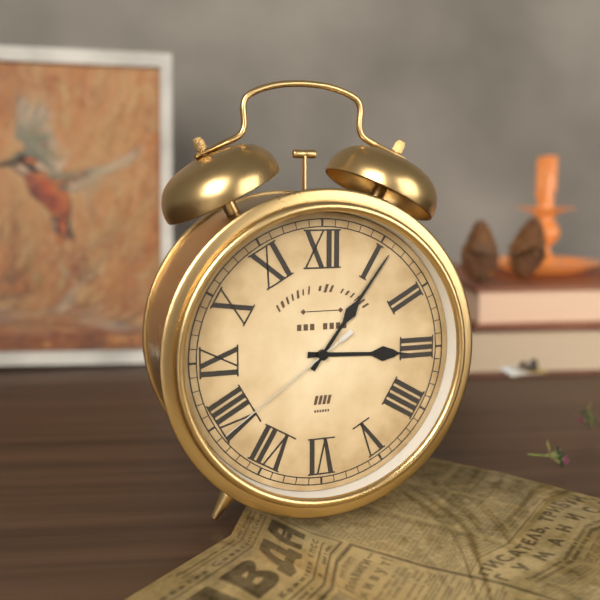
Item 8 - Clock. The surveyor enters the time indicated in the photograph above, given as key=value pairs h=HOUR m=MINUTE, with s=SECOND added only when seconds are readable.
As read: h=3 m=6 s=39
